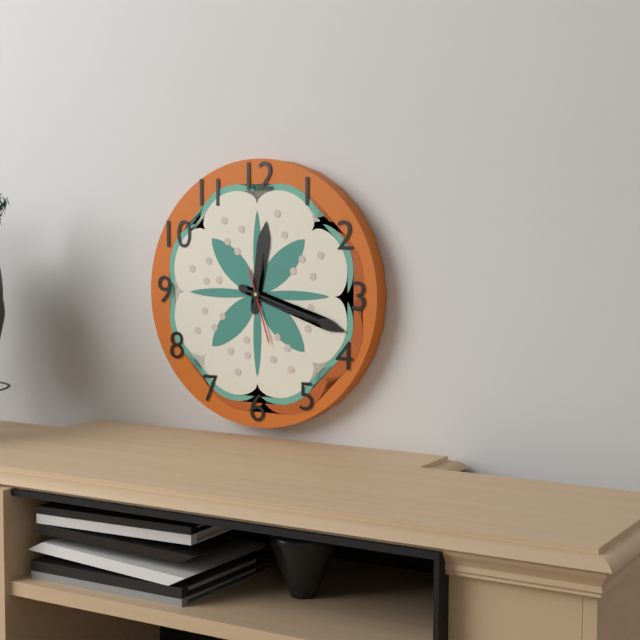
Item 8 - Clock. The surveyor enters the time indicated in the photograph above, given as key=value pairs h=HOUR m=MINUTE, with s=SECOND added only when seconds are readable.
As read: h=12 m=18 s=27
